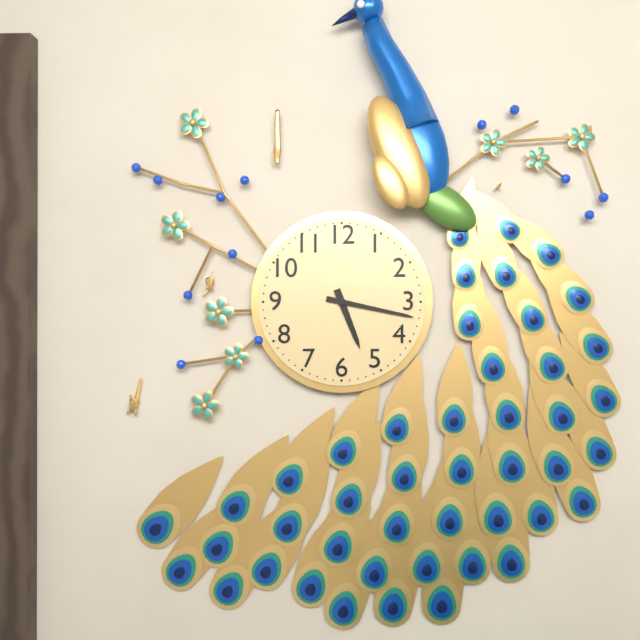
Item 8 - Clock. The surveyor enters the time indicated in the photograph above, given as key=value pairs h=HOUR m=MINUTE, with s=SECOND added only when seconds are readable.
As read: h=5 m=17
